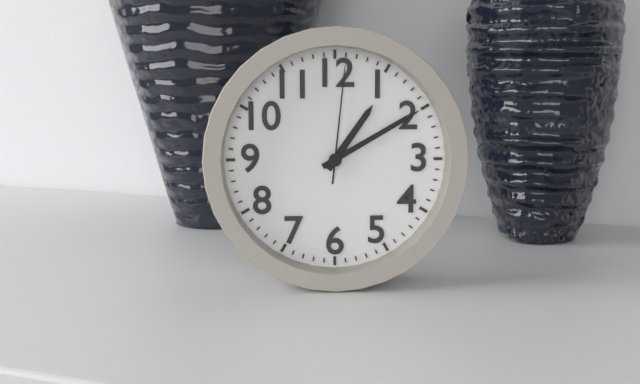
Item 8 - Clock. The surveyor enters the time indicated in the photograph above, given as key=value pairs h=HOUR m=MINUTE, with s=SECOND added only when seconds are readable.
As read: h=1 m=10 s=1
